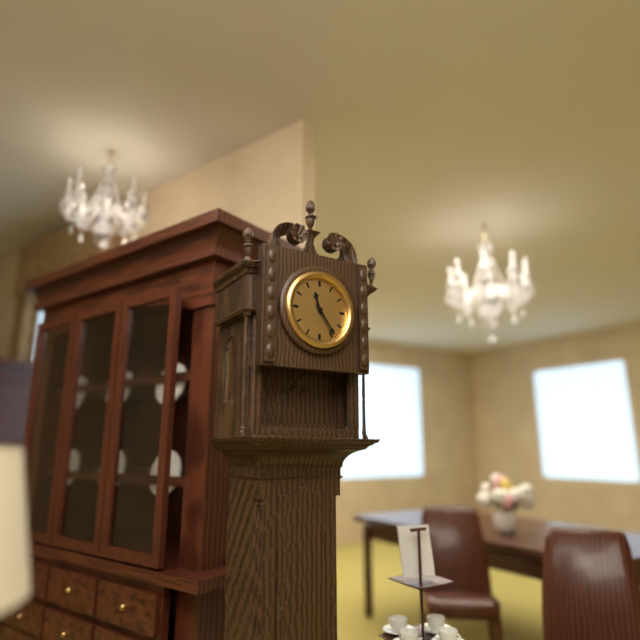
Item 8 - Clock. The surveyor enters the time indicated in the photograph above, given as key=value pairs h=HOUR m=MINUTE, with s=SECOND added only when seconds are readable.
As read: h=11 m=24
